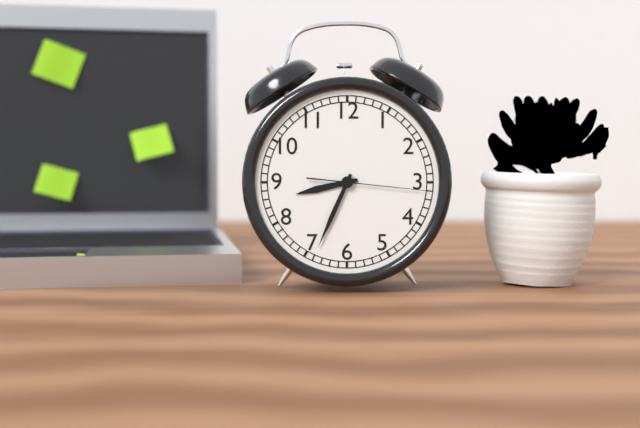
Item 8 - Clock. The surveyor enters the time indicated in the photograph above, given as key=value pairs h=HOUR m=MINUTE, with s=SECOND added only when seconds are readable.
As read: h=8 m=34 s=16
